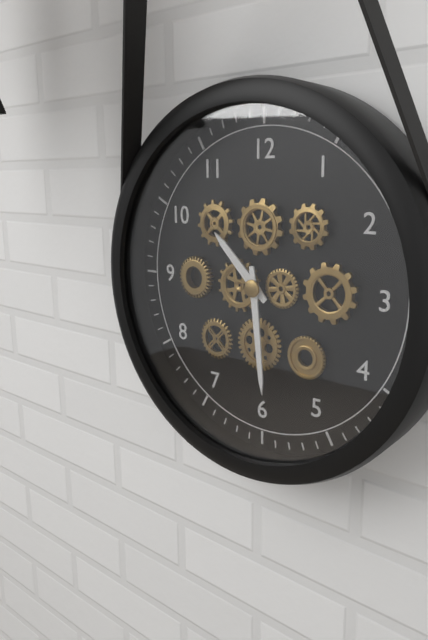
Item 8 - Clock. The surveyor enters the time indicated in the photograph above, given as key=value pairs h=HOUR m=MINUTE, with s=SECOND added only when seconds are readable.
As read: h=10 m=29
